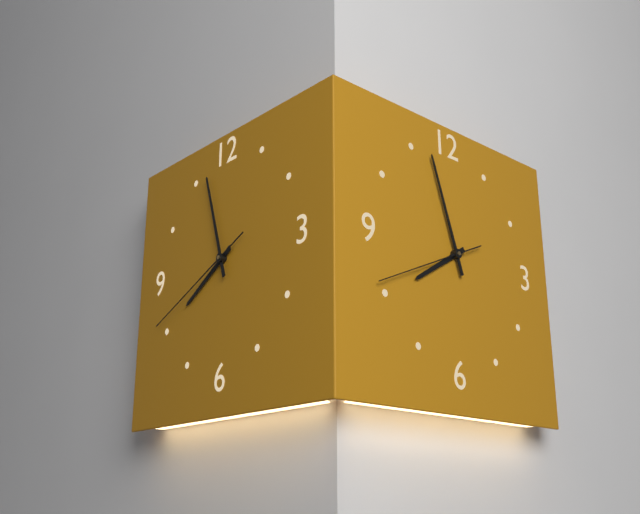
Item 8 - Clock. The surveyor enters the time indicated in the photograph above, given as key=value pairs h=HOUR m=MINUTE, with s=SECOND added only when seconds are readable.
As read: h=7 m=57 s=41
